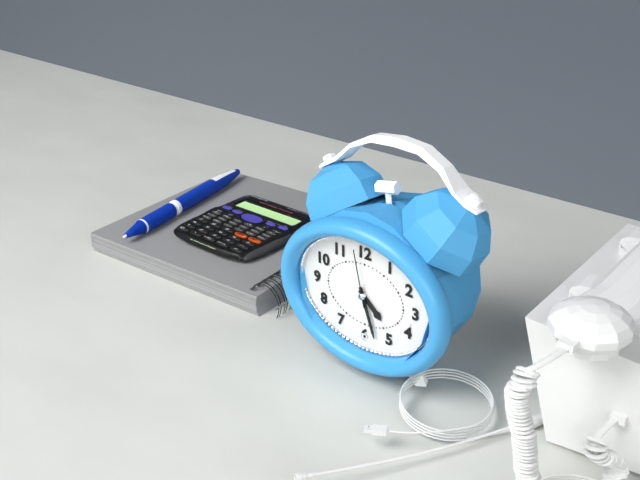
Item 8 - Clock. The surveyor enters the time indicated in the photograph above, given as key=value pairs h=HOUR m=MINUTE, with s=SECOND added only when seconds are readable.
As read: h=4 m=27 s=58
